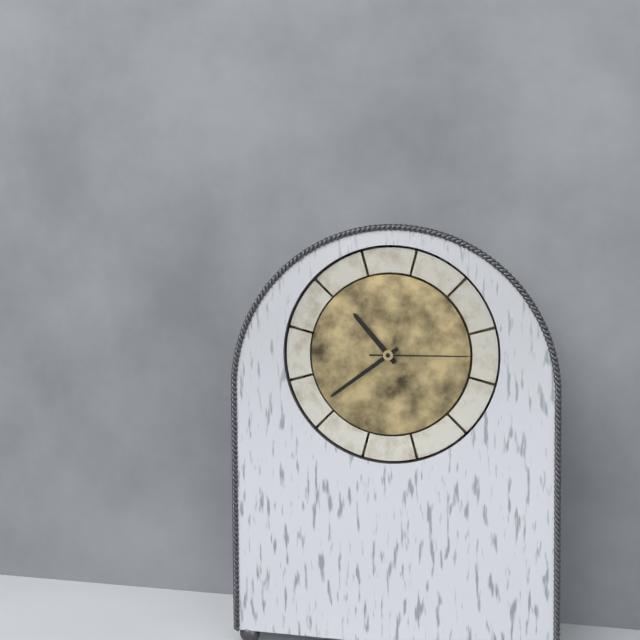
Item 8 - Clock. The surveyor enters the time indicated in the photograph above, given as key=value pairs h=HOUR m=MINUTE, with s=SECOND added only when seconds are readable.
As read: h=10 m=39 s=15
